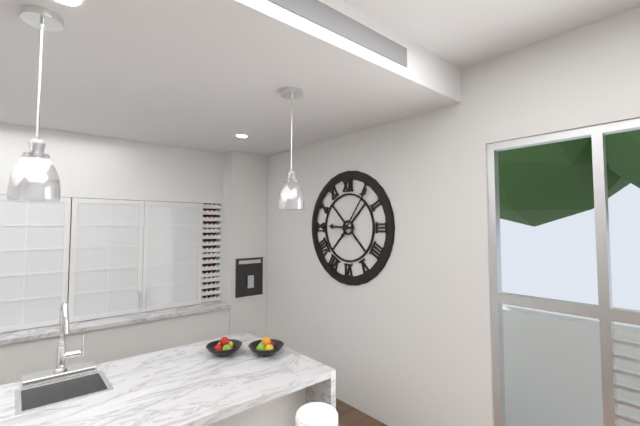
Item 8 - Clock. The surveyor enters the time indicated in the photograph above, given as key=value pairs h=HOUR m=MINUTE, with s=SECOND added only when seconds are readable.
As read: h=9 m=6
